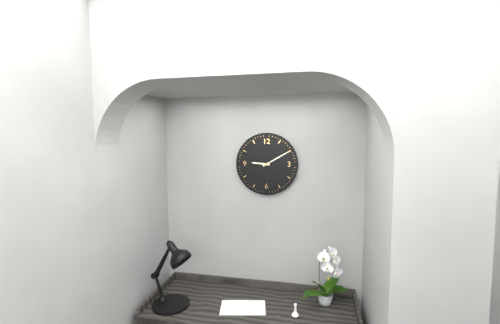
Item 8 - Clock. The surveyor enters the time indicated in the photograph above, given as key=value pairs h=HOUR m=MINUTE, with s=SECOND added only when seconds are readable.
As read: h=9 m=10
